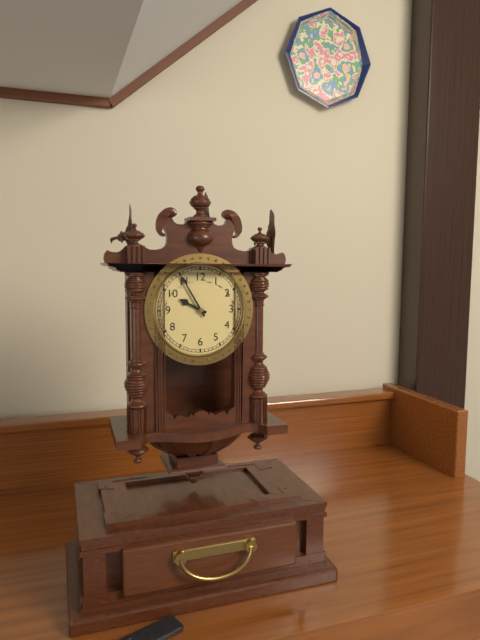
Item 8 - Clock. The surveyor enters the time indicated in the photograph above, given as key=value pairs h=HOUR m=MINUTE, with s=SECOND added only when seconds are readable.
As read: h=9 m=55
